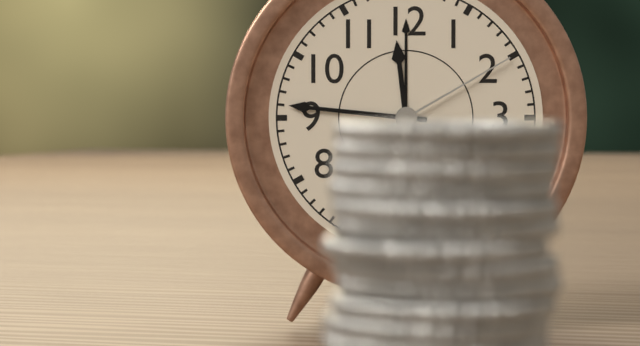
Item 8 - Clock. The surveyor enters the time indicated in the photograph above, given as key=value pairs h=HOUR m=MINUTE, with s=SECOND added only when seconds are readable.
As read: h=11 m=46 s=10
